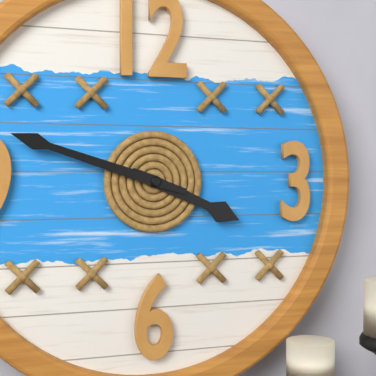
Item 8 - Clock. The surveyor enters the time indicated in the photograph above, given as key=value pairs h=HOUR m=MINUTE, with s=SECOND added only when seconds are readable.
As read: h=3 m=48
